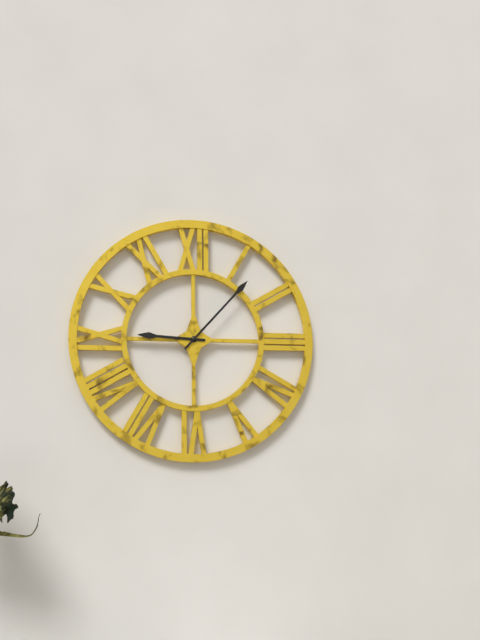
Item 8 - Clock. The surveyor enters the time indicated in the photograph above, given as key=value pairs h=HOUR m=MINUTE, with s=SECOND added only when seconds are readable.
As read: h=9 m=7
